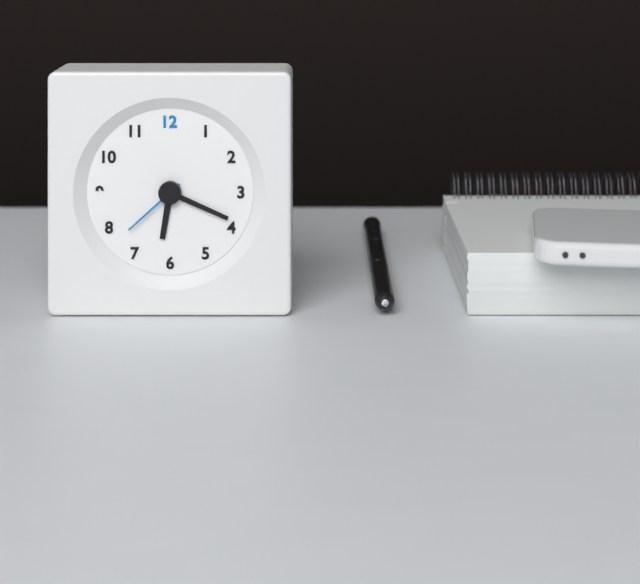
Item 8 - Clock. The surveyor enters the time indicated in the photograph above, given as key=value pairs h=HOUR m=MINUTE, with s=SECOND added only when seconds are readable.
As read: h=6 m=19 s=38
